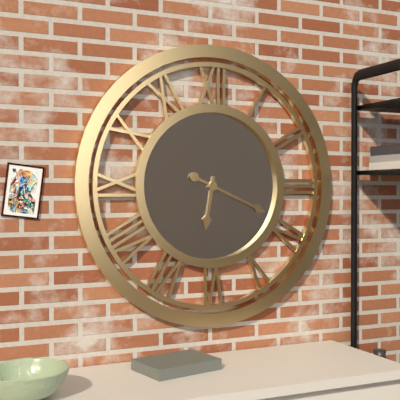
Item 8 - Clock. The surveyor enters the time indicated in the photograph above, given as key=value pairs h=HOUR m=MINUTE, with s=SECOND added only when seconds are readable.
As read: h=6 m=19
